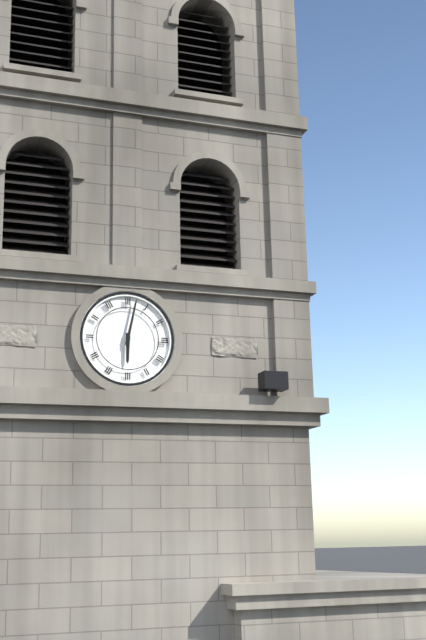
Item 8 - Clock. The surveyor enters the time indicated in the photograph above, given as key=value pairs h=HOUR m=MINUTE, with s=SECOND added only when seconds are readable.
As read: h=6 m=2
